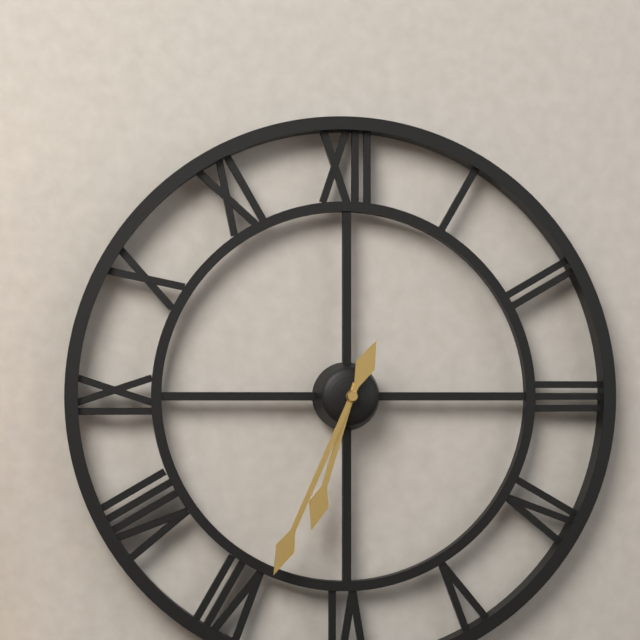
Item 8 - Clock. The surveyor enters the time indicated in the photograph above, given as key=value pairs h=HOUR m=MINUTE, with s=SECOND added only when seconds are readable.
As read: h=6 m=34
